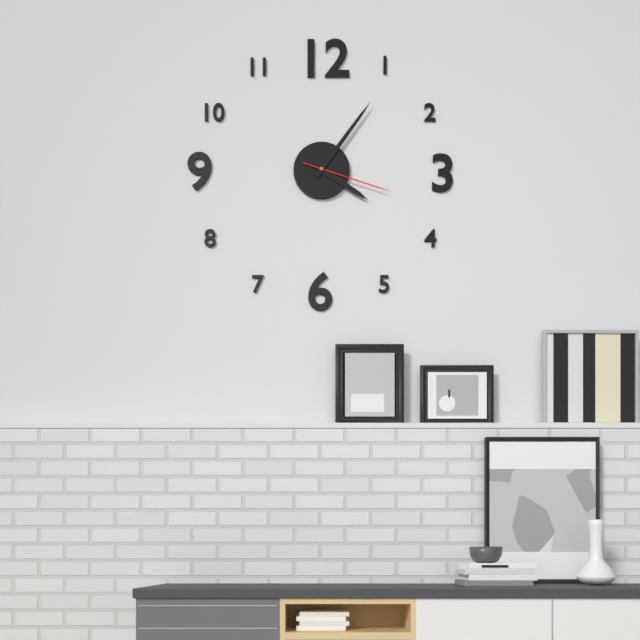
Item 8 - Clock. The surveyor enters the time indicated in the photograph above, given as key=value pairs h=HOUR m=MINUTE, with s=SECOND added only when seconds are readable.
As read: h=4 m=6 s=18
